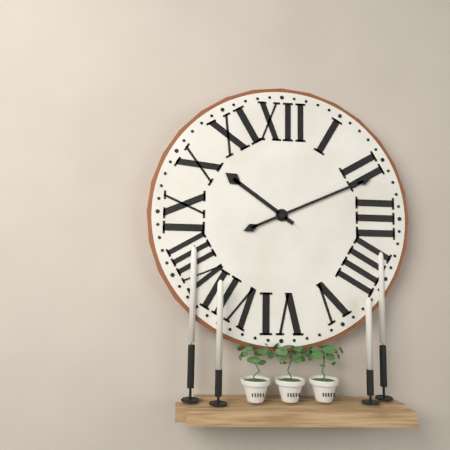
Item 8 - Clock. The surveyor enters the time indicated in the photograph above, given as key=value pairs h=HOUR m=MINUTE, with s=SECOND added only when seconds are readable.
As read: h=10 m=11
